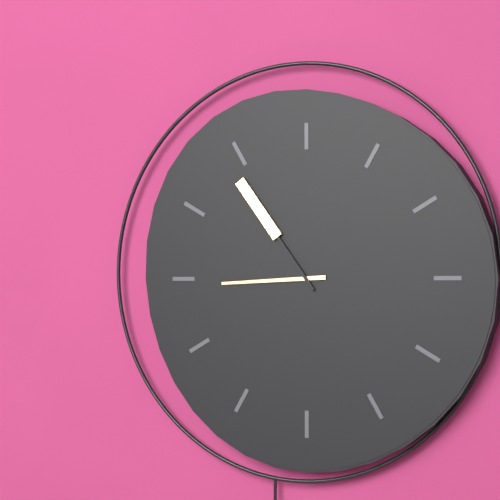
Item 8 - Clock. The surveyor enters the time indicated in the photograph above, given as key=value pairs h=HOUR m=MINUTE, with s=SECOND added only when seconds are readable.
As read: h=8 m=54
